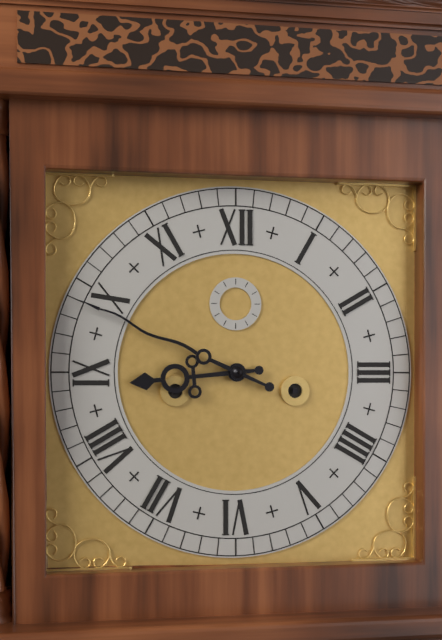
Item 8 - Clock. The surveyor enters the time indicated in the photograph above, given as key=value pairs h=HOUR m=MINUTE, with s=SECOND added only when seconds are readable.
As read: h=8 m=49
